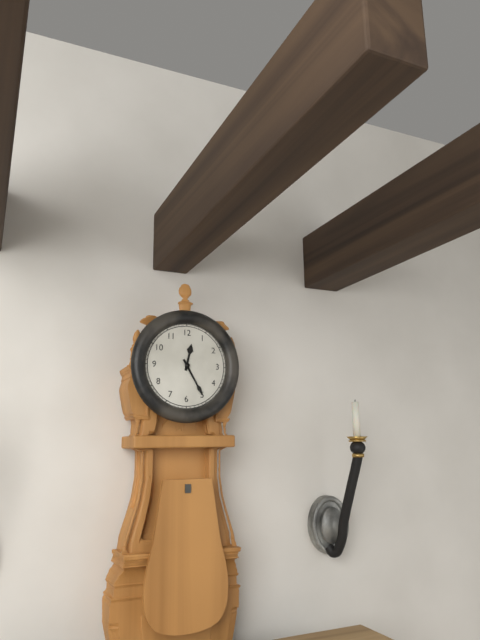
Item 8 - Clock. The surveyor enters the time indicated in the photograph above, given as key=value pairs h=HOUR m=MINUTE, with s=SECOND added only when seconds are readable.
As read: h=12 m=25
